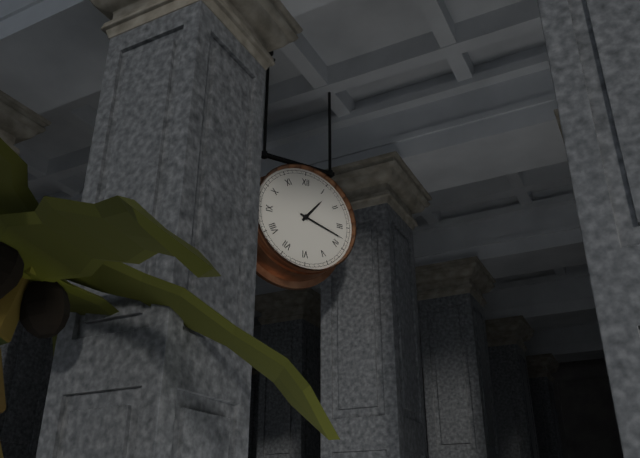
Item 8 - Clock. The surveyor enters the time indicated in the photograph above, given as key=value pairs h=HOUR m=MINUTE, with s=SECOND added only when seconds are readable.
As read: h=1 m=18
